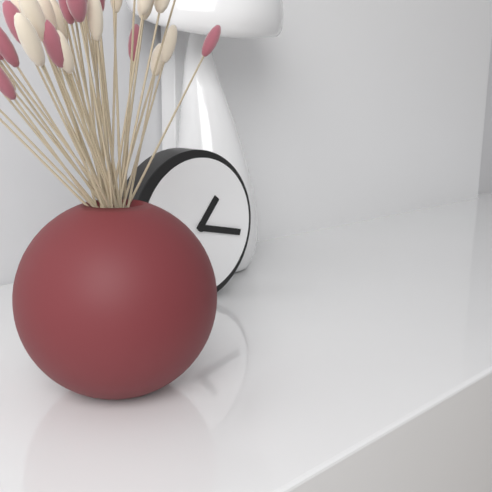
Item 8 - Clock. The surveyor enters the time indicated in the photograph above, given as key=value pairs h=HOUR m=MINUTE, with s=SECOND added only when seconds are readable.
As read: h=1 m=17
